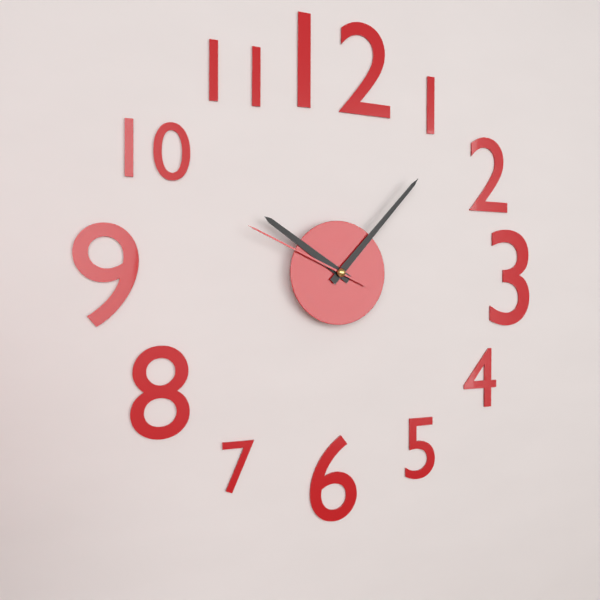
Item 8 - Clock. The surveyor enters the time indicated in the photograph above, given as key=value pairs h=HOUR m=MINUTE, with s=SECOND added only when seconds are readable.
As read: h=10 m=7 s=49
